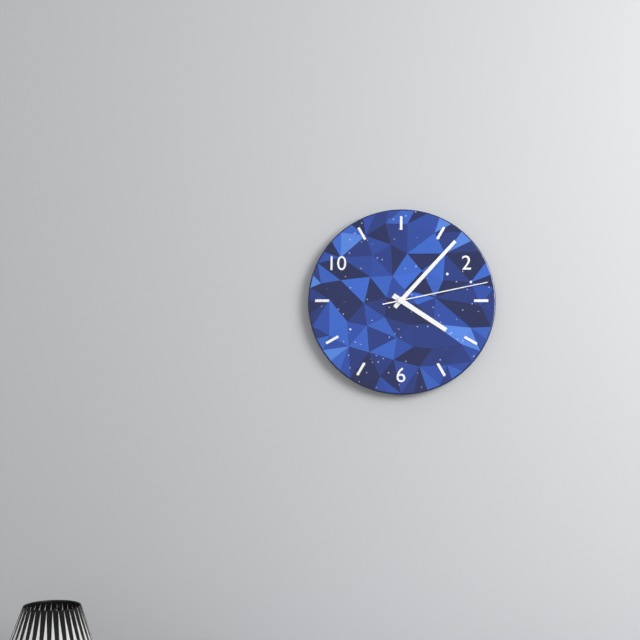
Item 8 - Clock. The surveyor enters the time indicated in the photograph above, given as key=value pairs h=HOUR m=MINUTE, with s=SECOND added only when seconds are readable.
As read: h=4 m=7 s=13
